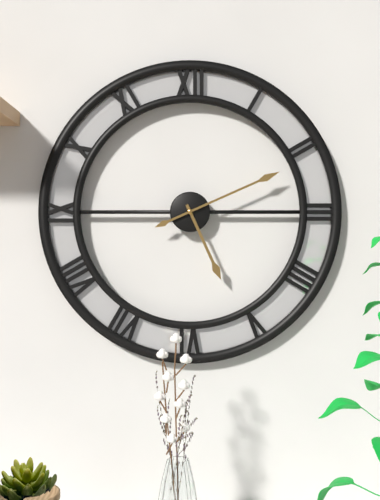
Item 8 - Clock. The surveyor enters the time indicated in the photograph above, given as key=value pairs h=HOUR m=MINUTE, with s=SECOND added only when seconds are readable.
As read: h=5 m=11
